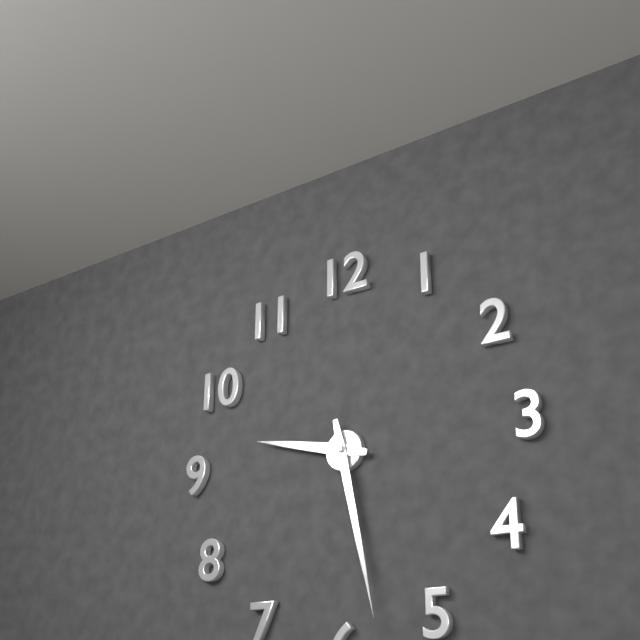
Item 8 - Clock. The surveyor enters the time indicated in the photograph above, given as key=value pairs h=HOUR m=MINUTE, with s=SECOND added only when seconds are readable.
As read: h=9 m=28
